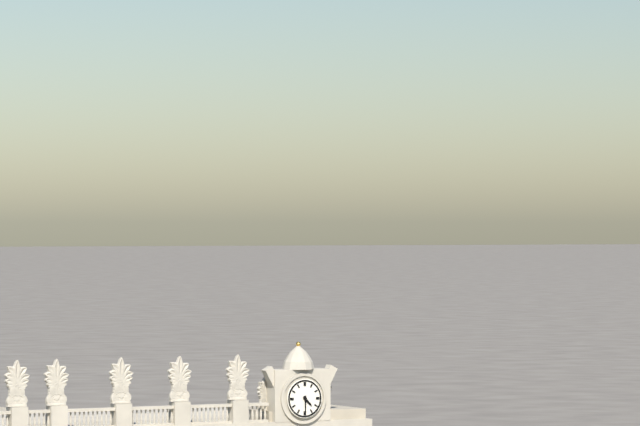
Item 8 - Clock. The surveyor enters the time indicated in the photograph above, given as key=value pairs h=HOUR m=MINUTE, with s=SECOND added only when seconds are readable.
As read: h=4 m=30
